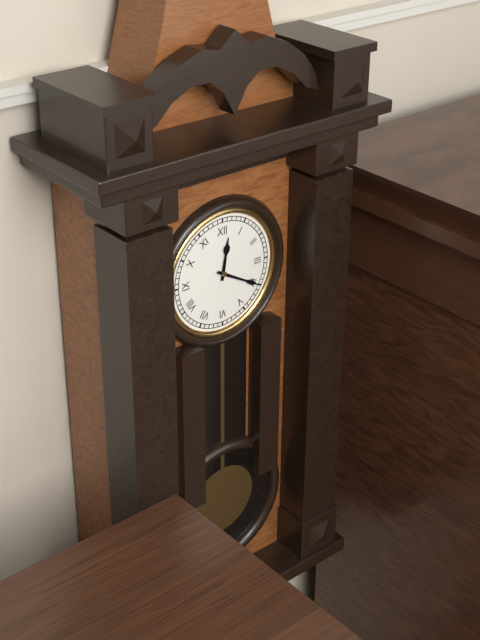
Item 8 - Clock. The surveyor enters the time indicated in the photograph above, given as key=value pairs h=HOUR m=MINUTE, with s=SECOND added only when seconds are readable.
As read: h=12 m=20
